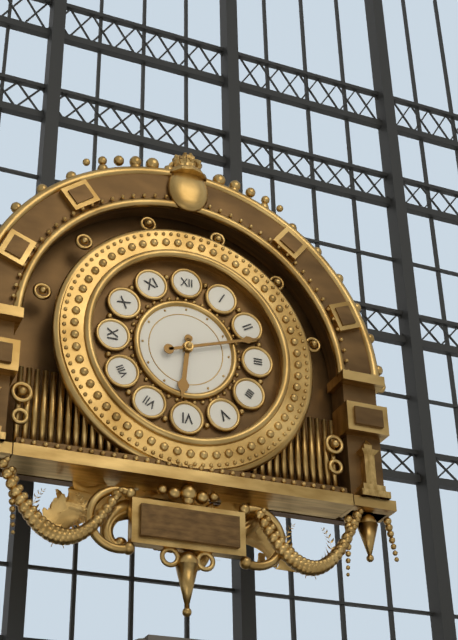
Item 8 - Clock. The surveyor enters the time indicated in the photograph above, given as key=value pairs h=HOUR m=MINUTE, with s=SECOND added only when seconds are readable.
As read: h=6 m=12
